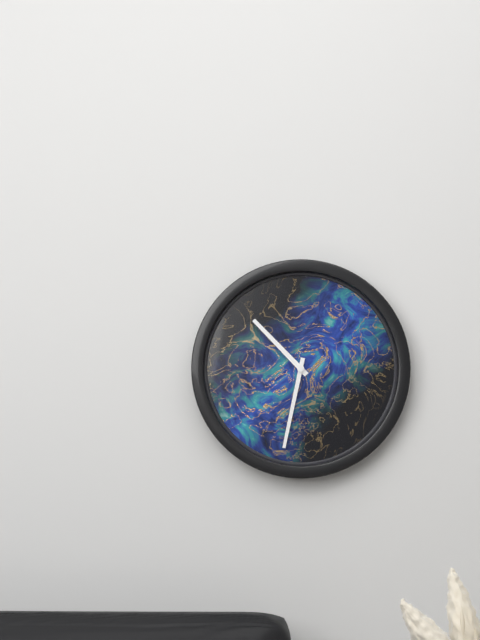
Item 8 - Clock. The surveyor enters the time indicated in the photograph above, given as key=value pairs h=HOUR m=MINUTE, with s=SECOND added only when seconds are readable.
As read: h=10 m=32
